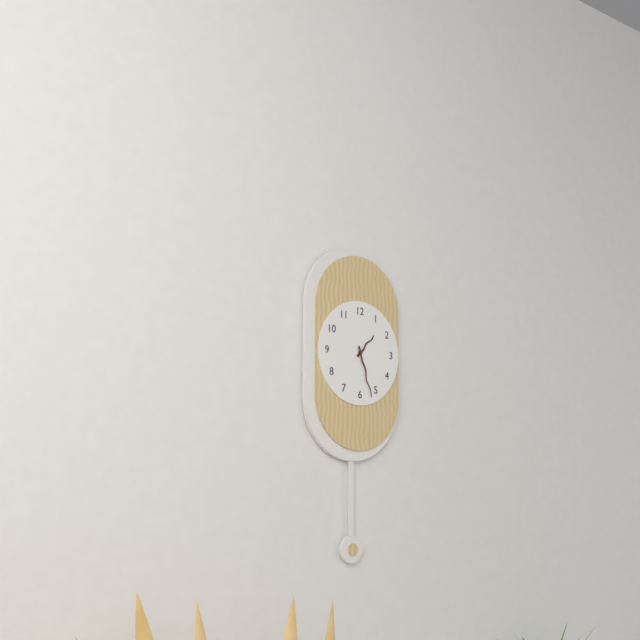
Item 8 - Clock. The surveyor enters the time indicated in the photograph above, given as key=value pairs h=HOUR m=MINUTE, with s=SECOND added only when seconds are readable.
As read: h=1 m=27
